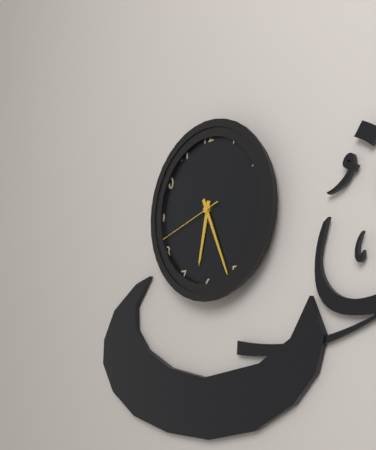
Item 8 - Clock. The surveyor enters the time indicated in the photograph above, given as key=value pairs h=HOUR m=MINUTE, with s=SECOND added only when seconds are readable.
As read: h=6 m=26 s=42
